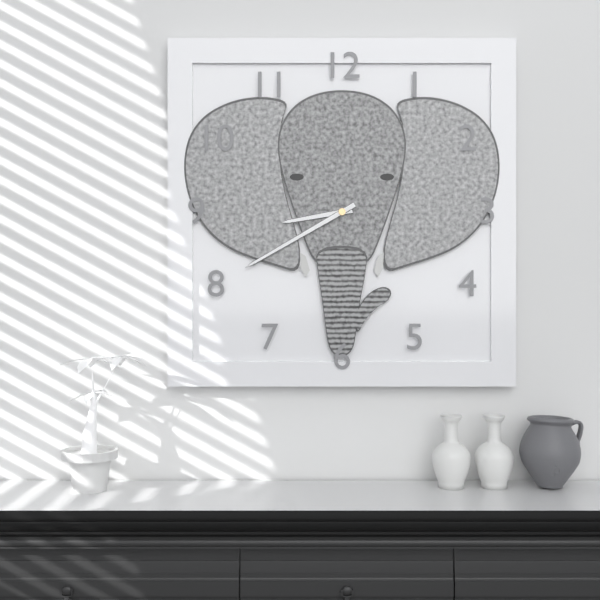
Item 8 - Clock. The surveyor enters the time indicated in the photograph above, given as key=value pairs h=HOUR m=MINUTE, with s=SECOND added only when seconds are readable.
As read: h=8 m=40
